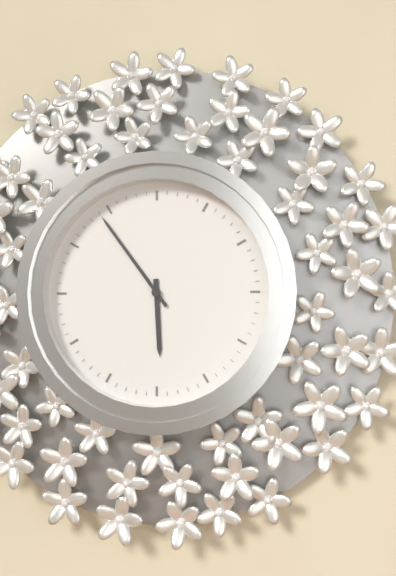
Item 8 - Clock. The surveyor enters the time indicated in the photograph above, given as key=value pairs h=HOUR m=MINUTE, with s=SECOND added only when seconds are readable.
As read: h=5 m=54
